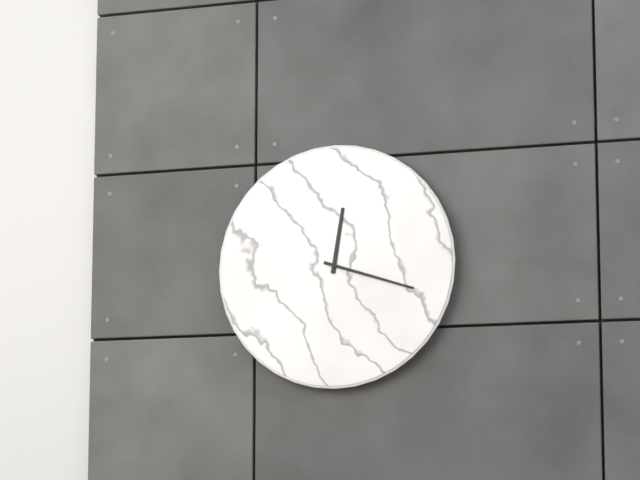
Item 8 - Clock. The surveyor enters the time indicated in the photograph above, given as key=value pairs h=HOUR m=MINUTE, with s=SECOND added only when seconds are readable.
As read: h=12 m=18
